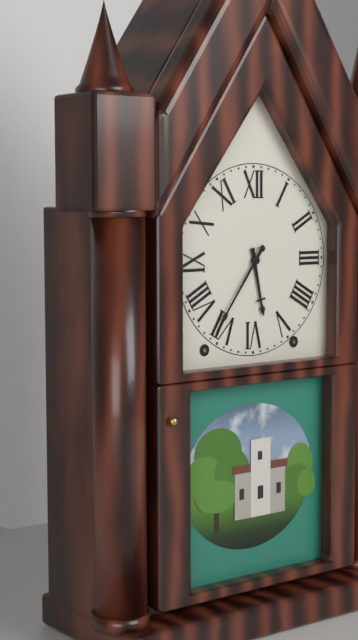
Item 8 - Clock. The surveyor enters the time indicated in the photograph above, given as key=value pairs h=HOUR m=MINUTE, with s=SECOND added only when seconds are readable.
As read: h=5 m=36
